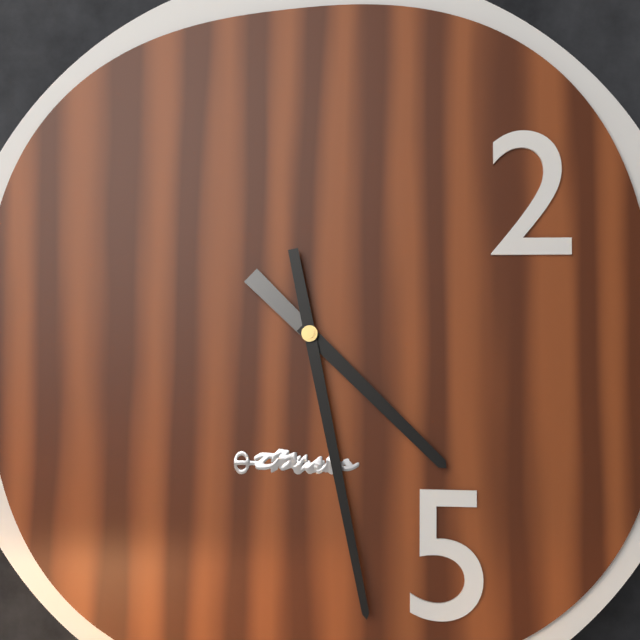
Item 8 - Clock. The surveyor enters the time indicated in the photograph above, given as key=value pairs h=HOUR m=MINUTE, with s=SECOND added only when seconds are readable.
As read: h=4 m=28
